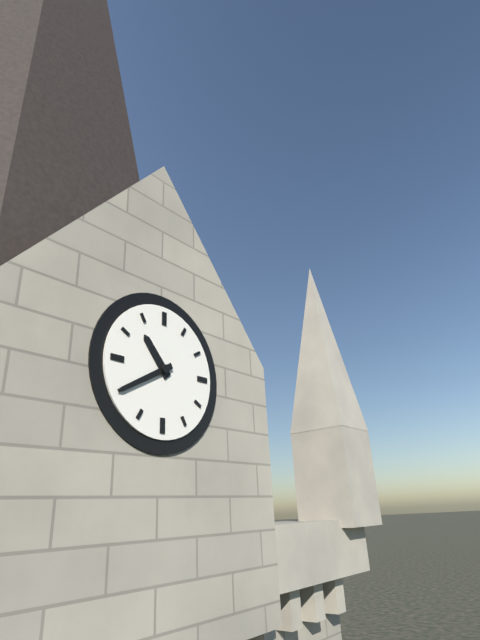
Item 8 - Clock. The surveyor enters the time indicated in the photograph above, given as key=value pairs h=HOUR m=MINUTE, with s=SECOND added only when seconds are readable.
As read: h=10 m=40
